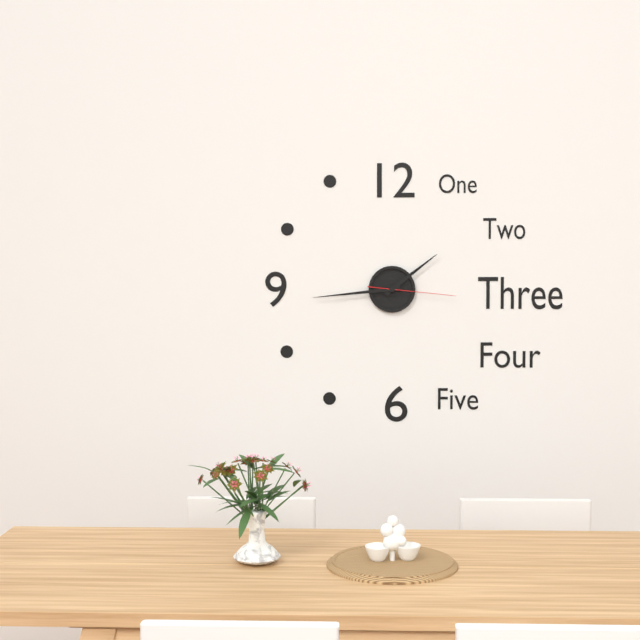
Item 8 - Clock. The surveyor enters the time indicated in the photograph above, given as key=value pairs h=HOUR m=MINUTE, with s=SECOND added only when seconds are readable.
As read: h=1 m=44 s=16
